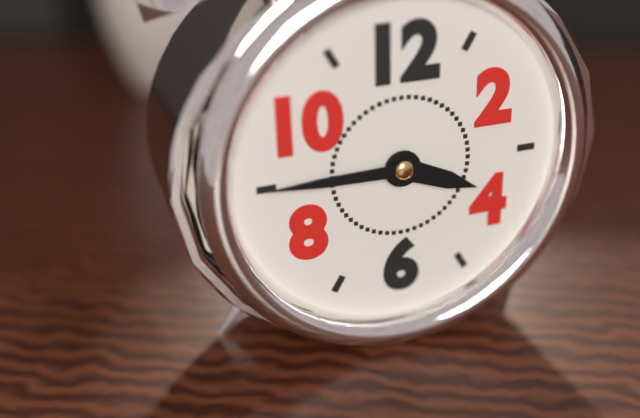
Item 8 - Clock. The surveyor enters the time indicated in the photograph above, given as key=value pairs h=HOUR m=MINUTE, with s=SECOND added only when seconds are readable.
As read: h=3 m=45
